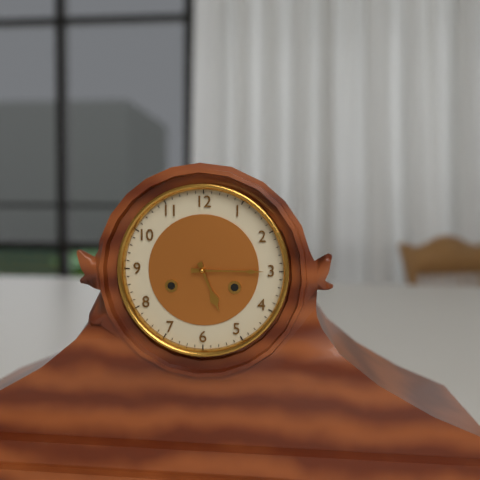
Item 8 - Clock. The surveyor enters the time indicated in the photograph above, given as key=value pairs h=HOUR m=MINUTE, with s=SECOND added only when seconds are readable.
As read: h=5 m=15
